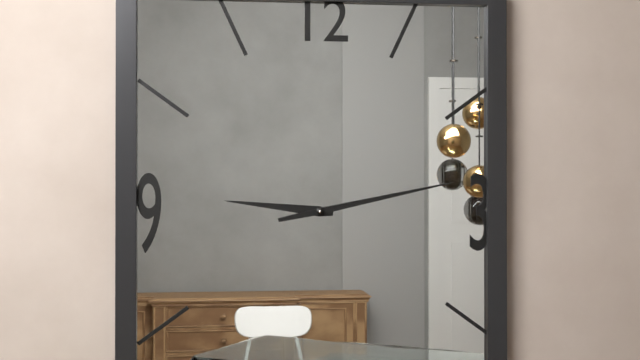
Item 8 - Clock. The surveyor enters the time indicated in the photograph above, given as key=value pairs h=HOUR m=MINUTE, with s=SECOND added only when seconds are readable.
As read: h=9 m=13
